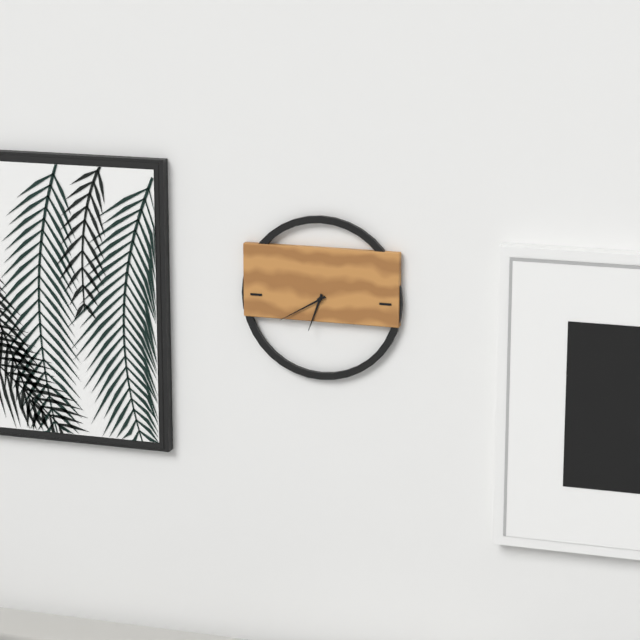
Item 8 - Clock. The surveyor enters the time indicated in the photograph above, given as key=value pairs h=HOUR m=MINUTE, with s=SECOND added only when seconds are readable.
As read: h=6 m=40
